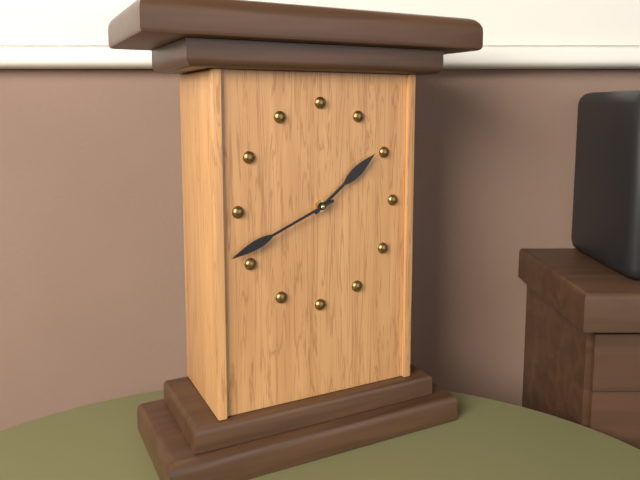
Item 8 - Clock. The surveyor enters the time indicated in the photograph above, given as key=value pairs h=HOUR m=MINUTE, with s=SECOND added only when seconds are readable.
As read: h=1 m=41
